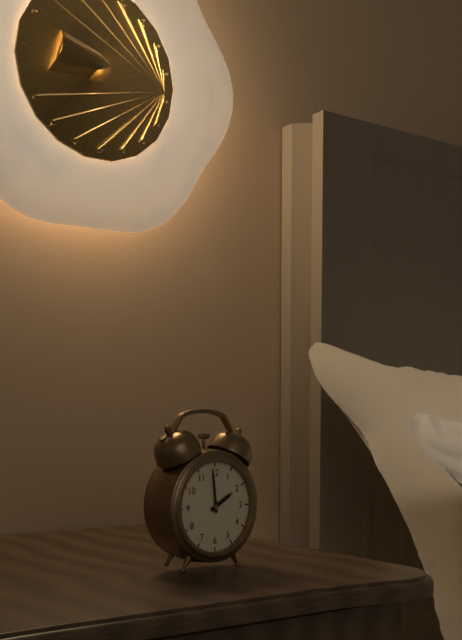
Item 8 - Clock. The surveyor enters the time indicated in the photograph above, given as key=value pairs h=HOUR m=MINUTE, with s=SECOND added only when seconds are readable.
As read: h=1 m=59
